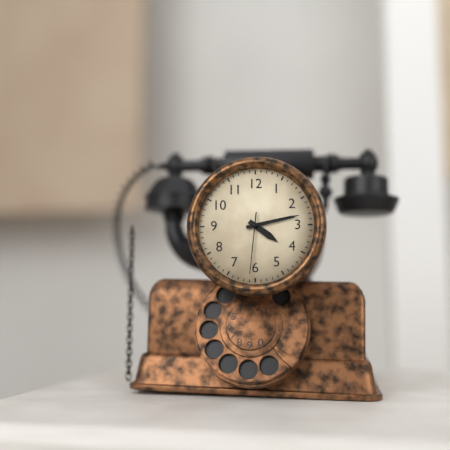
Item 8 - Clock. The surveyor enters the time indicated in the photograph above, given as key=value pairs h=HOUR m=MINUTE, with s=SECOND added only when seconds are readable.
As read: h=4 m=13 s=31
